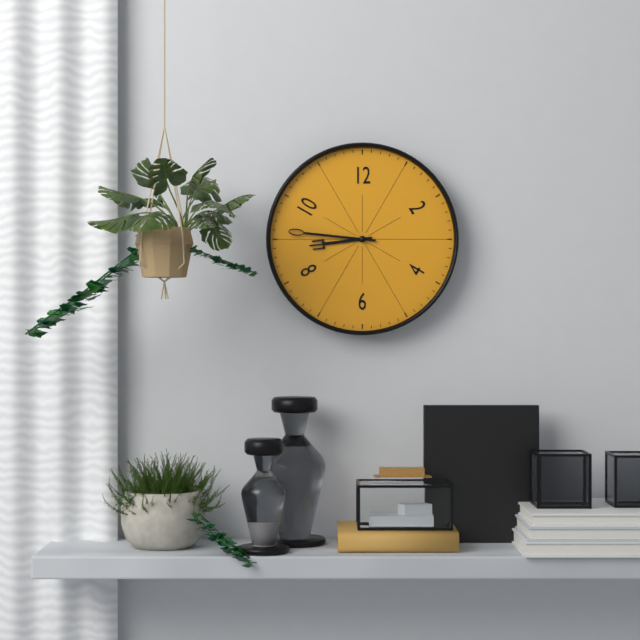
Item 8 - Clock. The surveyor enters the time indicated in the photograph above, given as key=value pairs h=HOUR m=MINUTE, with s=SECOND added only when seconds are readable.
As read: h=8 m=46
